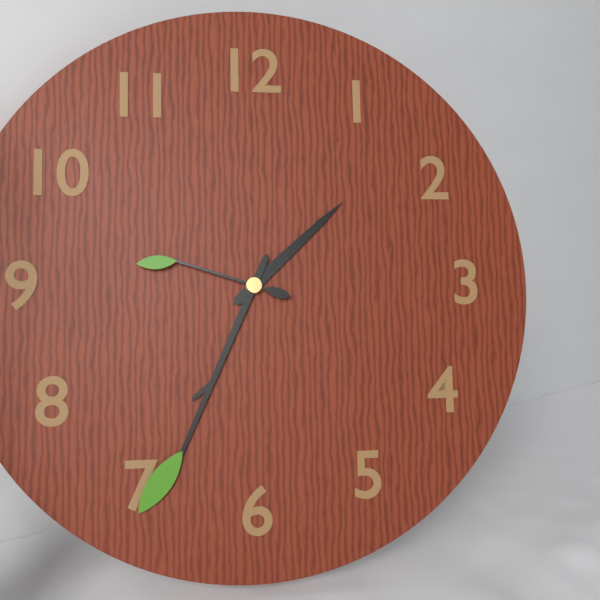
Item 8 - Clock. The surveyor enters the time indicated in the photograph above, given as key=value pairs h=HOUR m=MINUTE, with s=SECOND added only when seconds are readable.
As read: h=1 m=34 s=48
